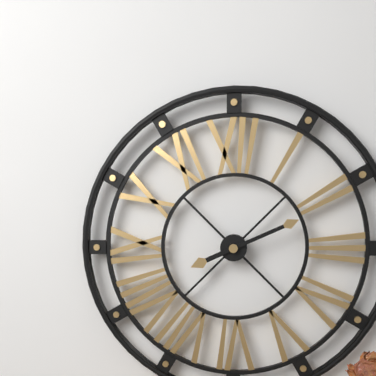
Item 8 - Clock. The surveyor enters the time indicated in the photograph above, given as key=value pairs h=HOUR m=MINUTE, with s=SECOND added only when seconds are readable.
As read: h=8 m=11
